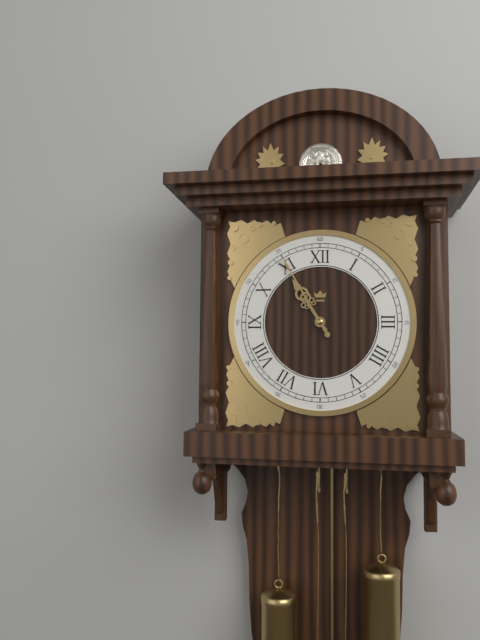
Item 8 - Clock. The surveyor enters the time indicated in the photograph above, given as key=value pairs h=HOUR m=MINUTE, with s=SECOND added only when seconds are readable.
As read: h=10 m=55
